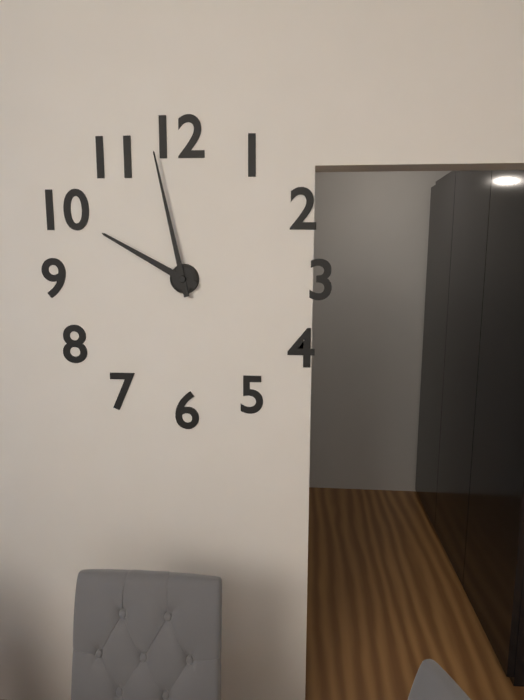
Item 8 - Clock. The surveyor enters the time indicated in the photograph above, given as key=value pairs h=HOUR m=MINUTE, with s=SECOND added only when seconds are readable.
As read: h=9 m=58
